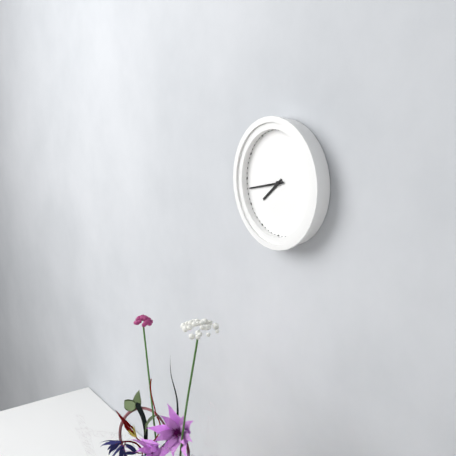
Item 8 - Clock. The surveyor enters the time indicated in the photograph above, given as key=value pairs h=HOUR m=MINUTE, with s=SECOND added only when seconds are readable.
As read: h=7 m=43
